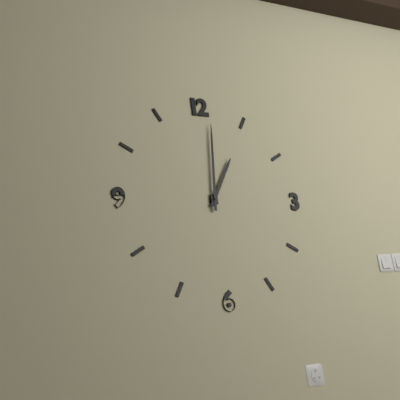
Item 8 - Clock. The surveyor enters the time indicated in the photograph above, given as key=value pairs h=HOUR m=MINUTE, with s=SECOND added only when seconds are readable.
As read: h=1 m=1
